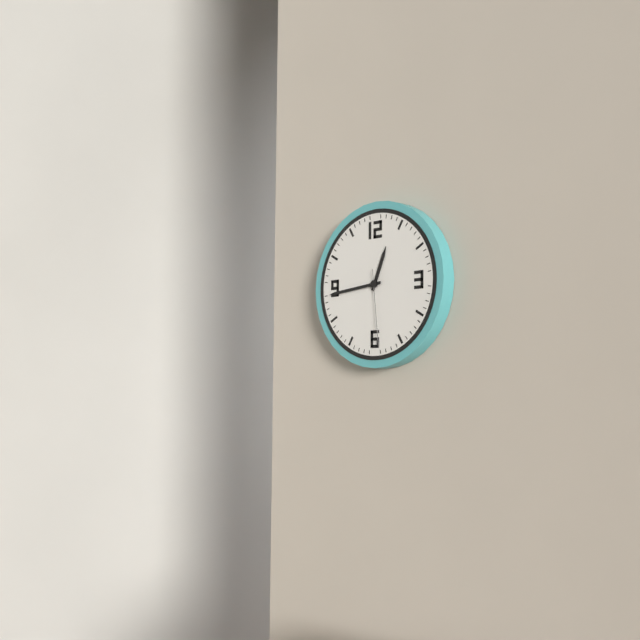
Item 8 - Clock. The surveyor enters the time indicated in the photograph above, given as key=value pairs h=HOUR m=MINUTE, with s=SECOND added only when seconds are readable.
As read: h=12 m=44 s=29
